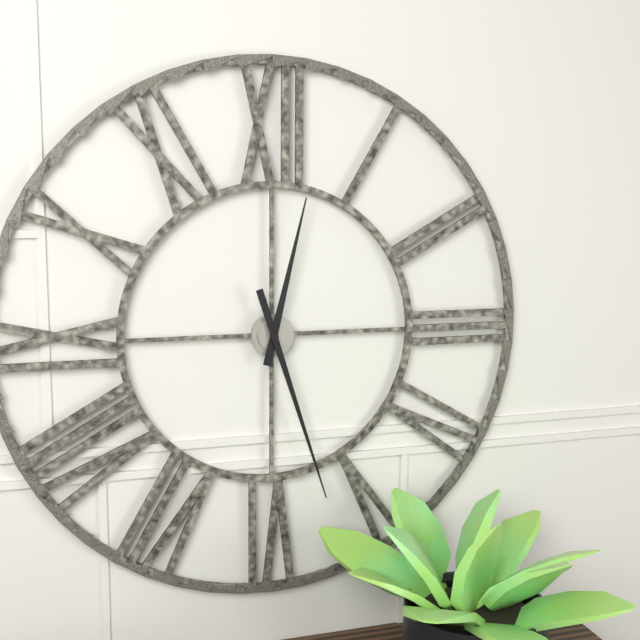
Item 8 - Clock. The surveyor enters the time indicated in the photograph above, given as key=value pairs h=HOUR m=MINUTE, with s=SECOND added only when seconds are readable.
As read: h=12 m=27
